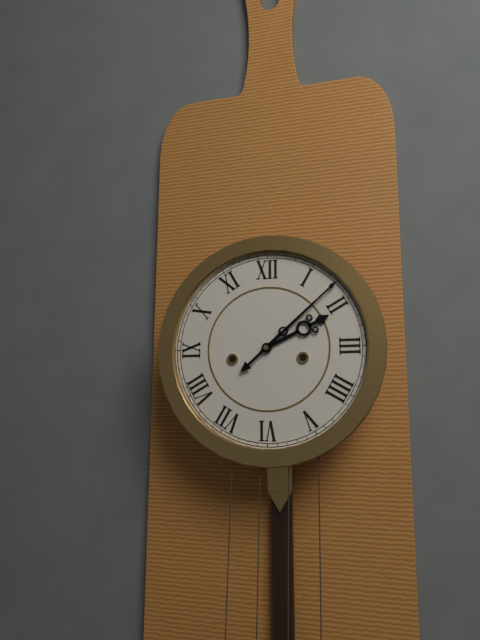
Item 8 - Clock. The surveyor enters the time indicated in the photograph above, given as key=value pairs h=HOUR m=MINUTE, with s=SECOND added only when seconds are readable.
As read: h=2 m=8
